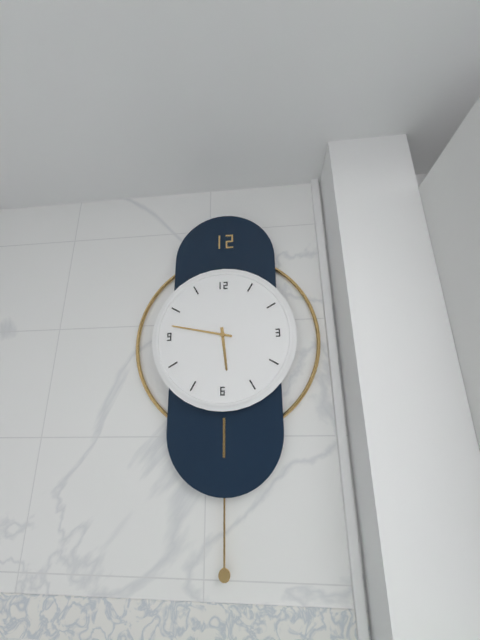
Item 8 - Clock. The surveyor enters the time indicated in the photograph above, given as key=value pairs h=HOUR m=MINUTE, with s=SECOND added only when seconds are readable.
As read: h=5 m=47
